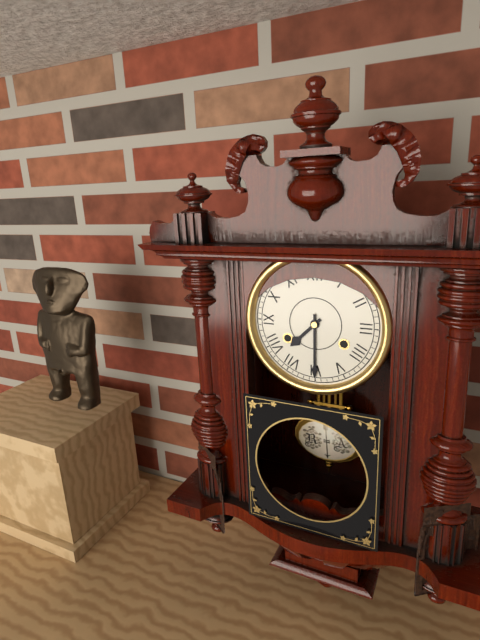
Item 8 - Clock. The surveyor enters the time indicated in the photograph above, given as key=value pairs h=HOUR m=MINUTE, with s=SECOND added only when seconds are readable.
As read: h=7 m=30
